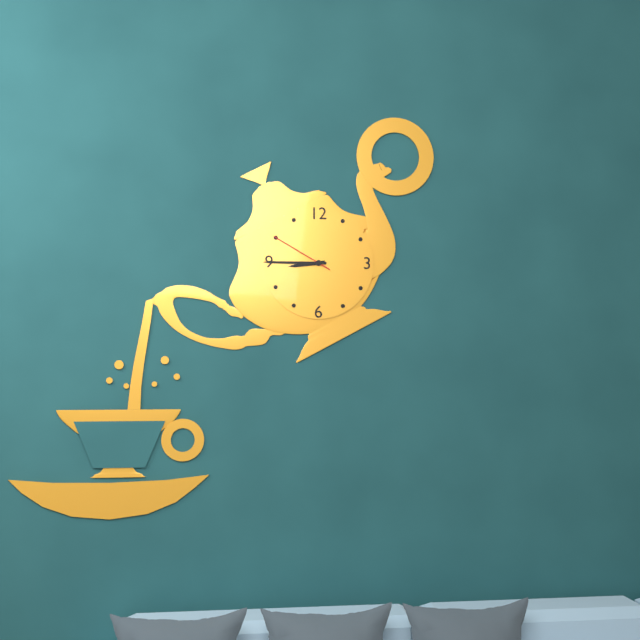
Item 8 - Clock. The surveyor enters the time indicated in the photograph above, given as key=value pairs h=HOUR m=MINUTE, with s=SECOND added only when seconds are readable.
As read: h=8 m=45 s=50
